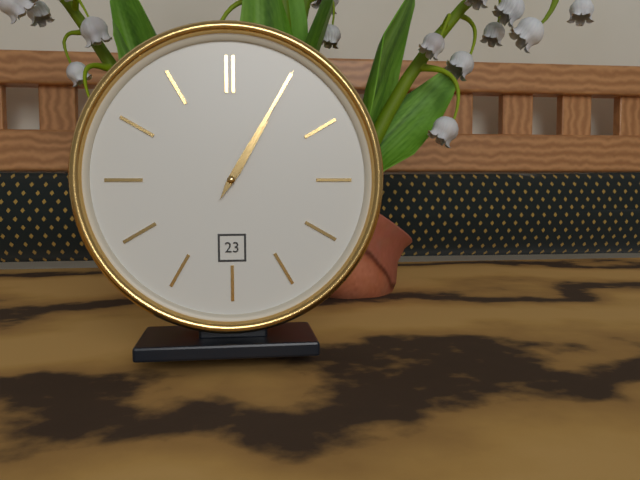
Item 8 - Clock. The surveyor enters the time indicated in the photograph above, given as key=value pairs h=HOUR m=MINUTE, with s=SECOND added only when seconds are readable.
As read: h=1 m=5
